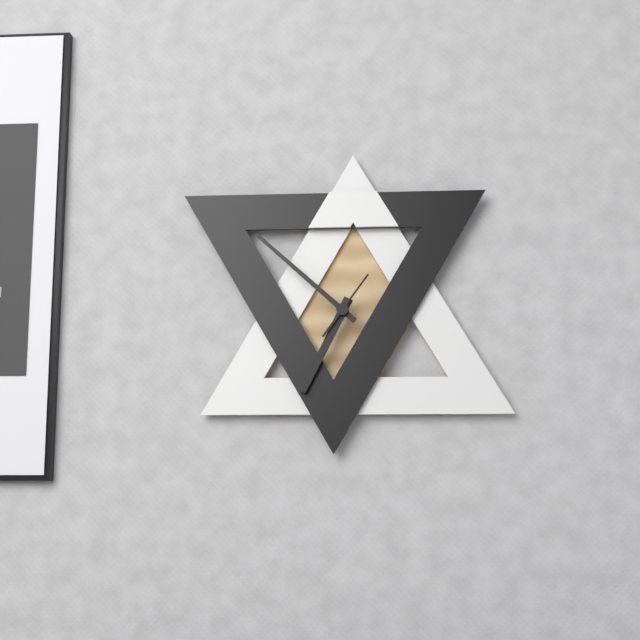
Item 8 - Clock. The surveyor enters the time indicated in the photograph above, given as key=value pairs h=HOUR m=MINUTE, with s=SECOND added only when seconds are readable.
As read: h=6 m=52 s=6
